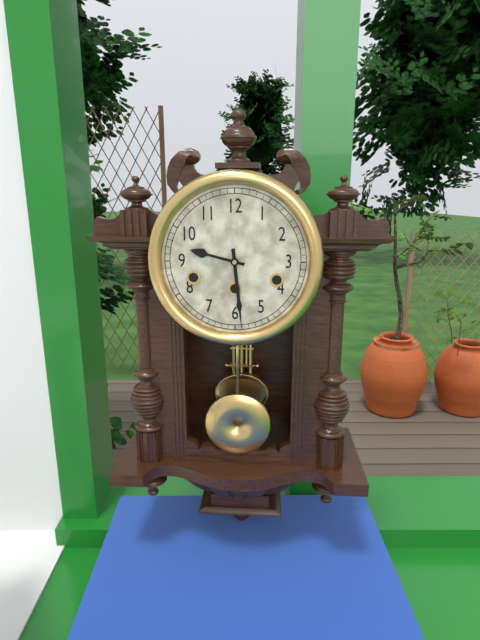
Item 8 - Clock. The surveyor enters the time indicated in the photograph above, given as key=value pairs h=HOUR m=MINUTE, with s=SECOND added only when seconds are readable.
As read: h=9 m=29
